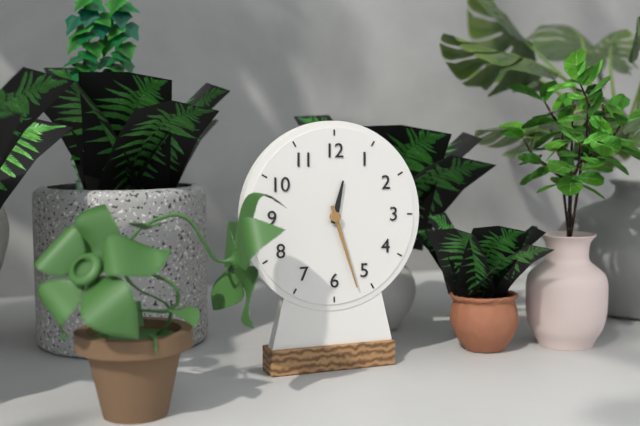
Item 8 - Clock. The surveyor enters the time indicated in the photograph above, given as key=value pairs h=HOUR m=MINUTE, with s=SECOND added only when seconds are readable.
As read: h=12 m=27
